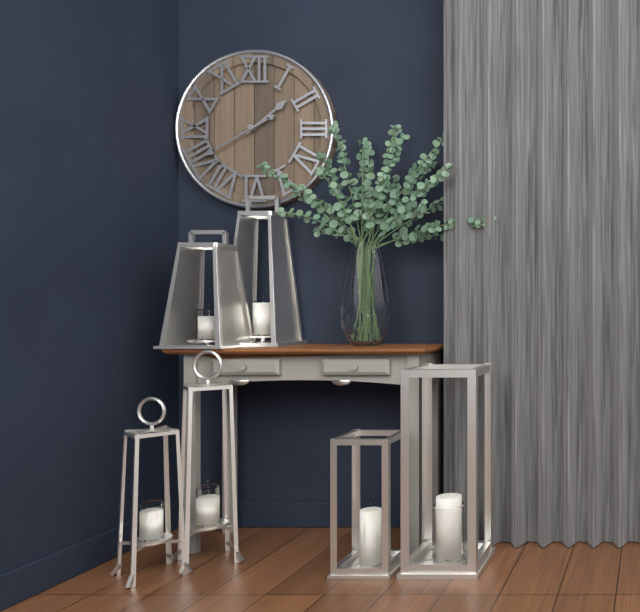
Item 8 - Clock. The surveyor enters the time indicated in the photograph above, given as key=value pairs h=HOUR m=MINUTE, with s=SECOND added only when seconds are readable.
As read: h=1 m=40
